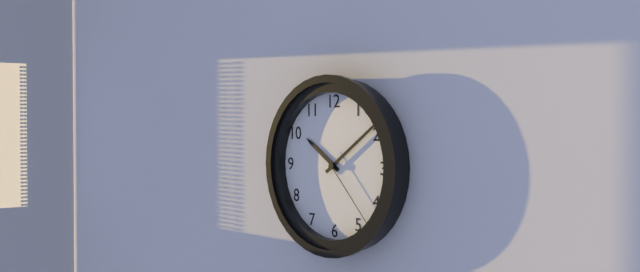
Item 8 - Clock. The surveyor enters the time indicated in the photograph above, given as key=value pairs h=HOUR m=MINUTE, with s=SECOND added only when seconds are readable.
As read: h=10 m=9 s=23
